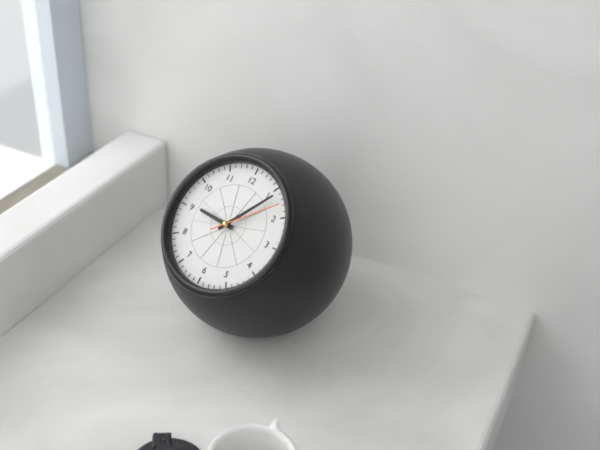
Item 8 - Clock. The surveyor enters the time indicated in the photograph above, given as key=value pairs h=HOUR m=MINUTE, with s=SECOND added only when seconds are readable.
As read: h=9 m=6 s=8
